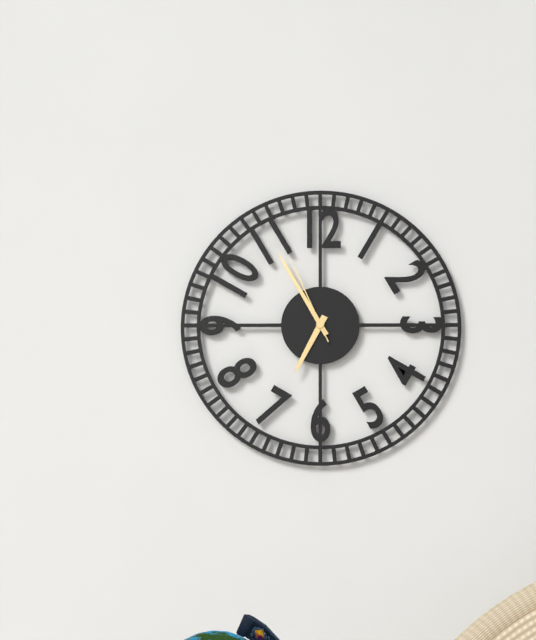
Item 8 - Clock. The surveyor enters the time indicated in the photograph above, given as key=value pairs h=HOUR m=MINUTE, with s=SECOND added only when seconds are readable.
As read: h=6 m=55 s=56
